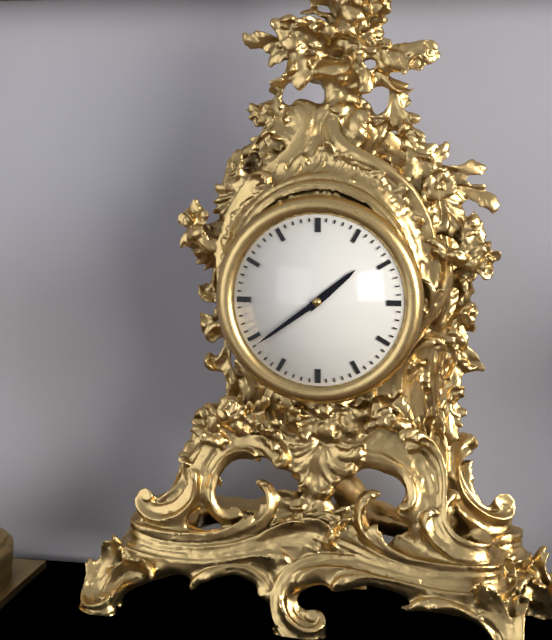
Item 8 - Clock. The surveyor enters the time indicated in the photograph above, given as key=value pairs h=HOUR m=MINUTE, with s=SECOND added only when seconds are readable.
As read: h=1 m=39
